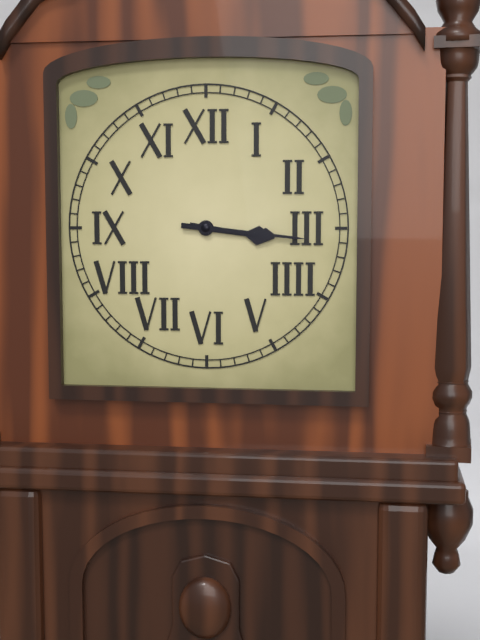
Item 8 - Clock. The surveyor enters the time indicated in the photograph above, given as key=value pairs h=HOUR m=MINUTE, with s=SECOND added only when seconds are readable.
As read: h=3 m=16
